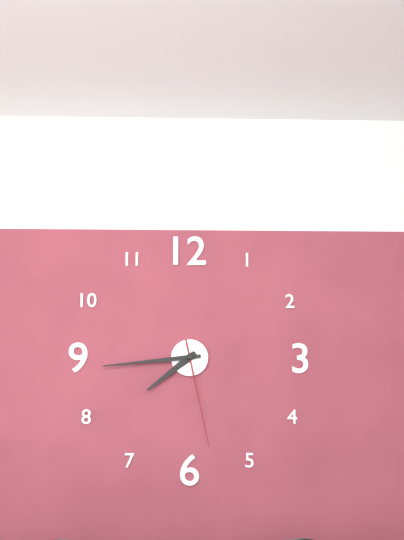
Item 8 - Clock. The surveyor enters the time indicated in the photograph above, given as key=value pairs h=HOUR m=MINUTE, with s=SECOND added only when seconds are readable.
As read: h=7 m=44 s=28
